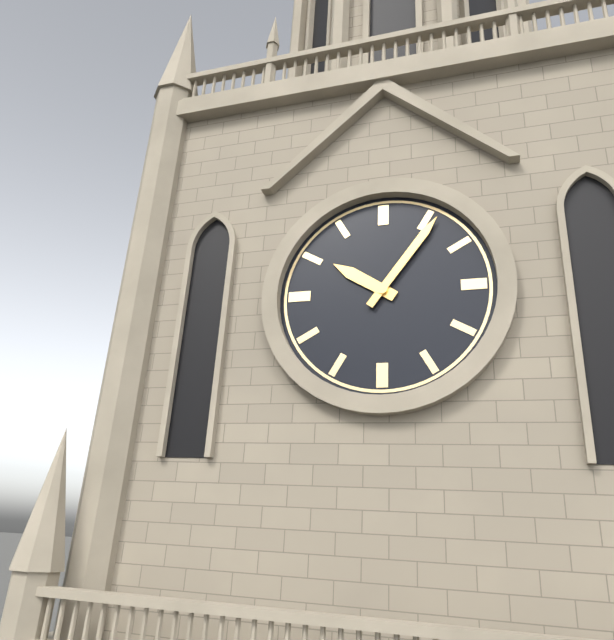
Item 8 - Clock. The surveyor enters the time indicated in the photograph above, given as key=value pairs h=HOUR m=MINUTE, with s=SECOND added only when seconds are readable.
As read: h=10 m=6
